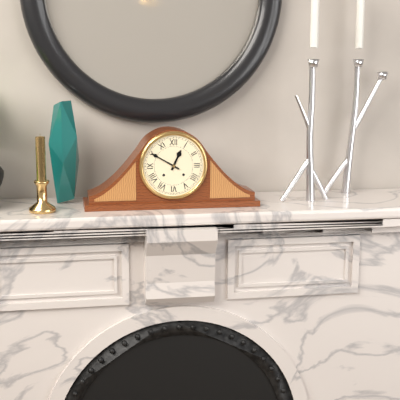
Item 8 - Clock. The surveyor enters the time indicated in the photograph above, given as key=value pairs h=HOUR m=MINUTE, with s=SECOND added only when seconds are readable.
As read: h=12 m=50
